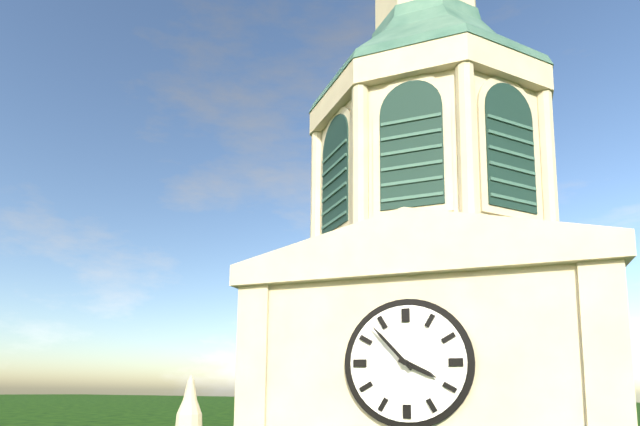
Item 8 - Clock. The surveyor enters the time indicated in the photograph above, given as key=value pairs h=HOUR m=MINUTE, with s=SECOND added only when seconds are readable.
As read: h=3 m=53
